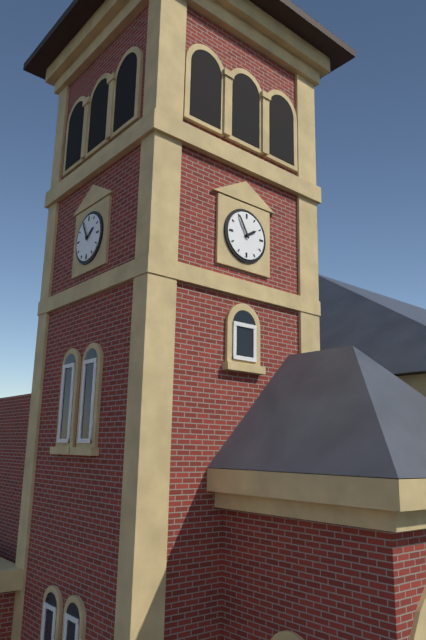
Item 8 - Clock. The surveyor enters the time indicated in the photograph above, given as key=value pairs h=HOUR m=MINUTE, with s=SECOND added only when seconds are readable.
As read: h=1 m=55
